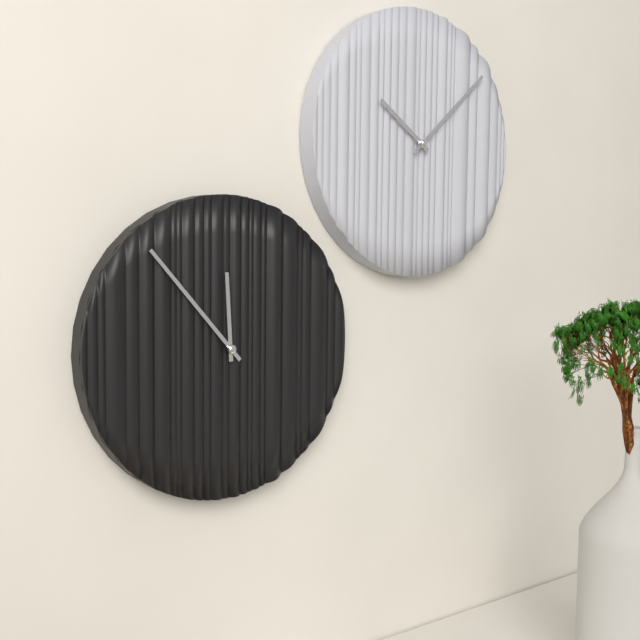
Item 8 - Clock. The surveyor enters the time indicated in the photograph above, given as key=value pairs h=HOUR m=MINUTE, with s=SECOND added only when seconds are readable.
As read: h=11 m=53
